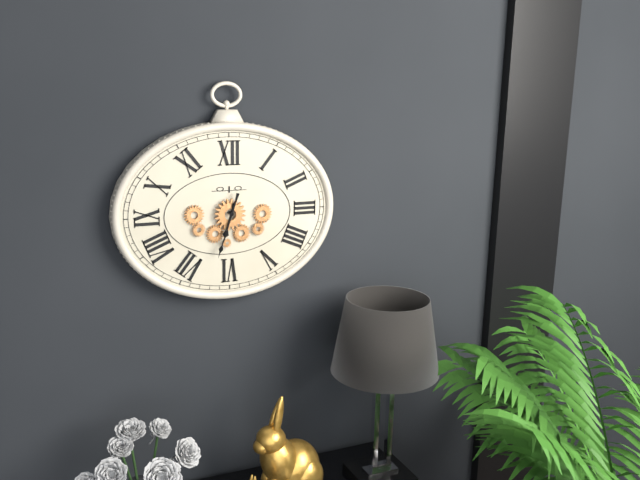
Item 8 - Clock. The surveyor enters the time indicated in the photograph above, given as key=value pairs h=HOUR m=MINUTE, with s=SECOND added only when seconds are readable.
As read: h=6 m=33
